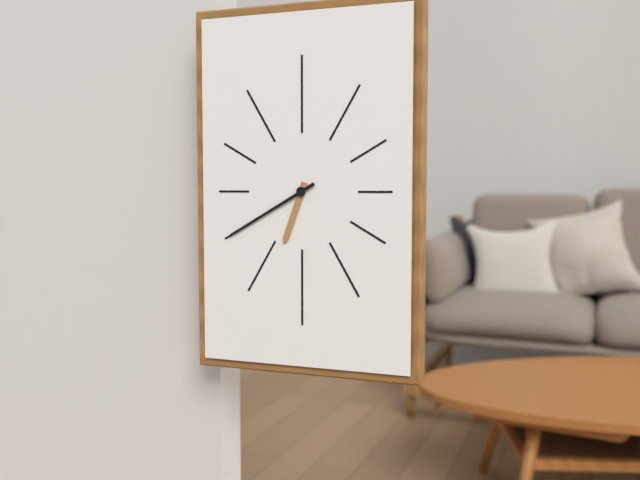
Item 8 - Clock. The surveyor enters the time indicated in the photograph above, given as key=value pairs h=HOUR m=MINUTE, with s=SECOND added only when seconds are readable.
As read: h=6 m=40
